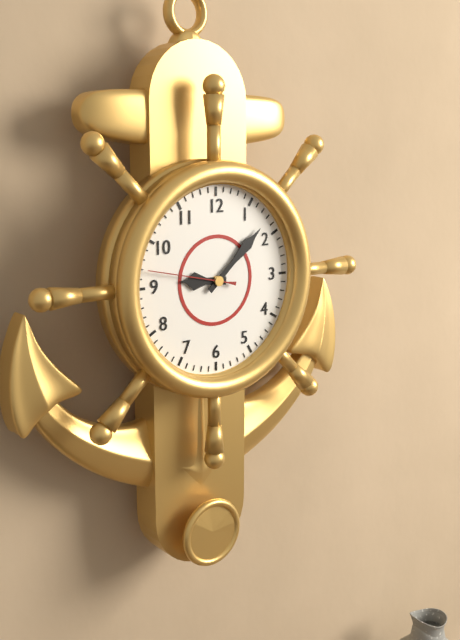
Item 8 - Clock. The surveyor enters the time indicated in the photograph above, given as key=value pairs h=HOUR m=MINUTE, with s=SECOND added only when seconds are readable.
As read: h=9 m=8 s=47
